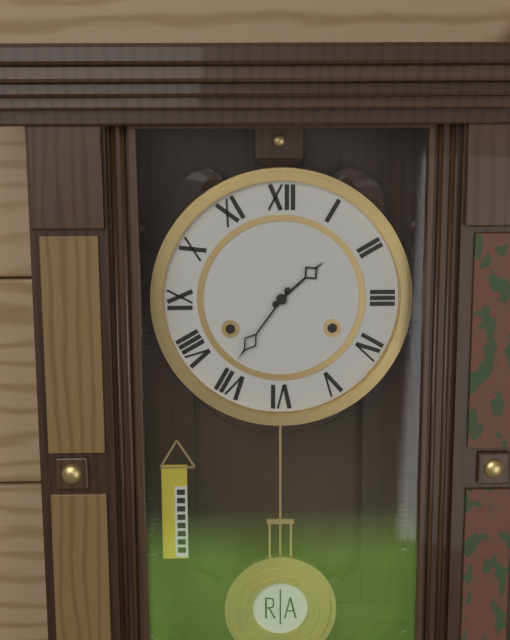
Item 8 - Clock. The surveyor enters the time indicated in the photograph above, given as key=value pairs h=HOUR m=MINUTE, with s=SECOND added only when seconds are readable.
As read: h=1 m=36
